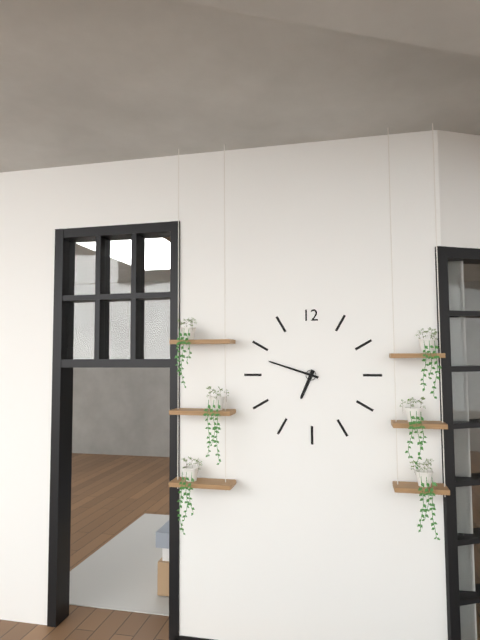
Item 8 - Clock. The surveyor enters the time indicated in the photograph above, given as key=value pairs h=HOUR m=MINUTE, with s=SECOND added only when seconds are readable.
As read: h=6 m=48
